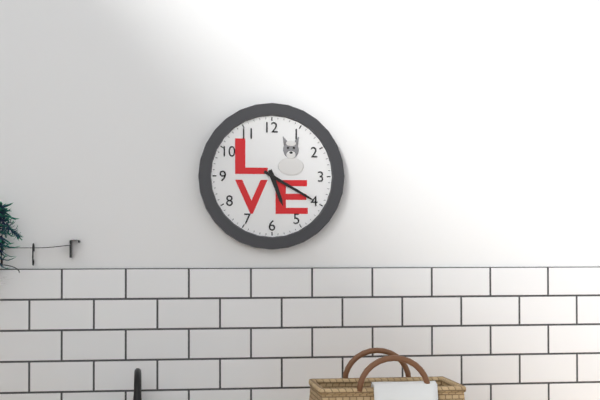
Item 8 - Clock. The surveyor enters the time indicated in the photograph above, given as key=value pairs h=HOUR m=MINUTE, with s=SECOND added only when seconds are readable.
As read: h=5 m=20
